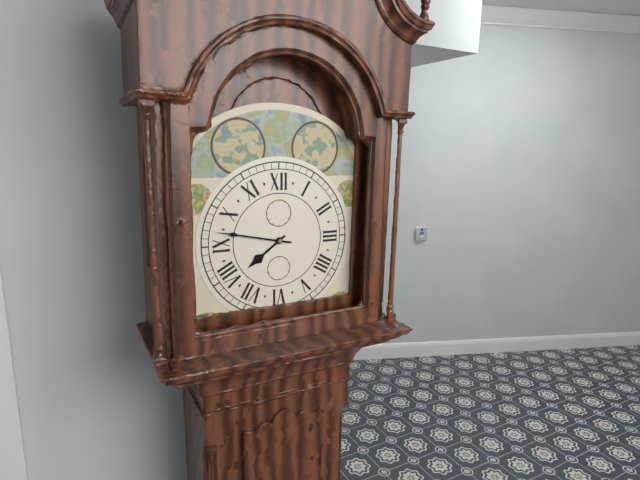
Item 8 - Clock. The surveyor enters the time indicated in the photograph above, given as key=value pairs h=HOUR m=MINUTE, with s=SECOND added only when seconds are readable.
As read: h=7 m=47
